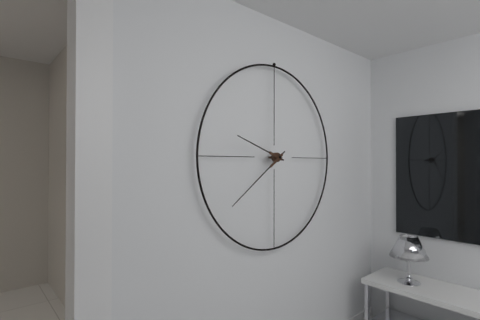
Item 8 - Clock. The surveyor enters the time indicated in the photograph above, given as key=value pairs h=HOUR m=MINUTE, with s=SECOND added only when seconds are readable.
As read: h=9 m=39
